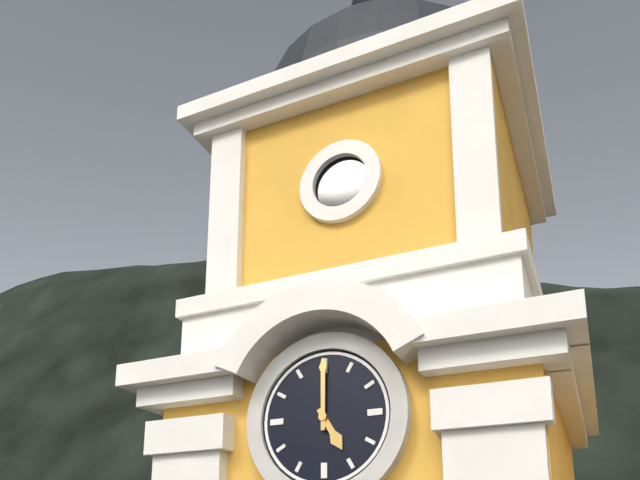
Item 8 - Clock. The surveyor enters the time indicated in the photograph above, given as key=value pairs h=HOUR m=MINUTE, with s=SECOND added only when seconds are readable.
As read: h=5 m=0
